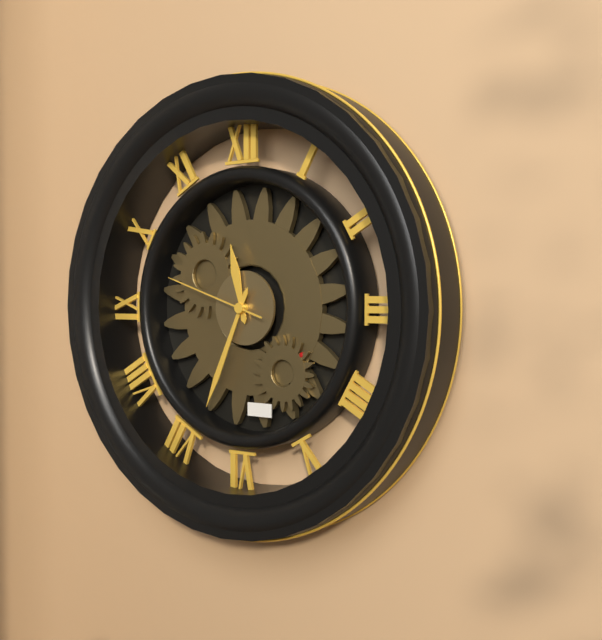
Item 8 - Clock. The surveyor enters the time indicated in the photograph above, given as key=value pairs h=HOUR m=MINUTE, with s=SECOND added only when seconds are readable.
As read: h=11 m=34 s=48
